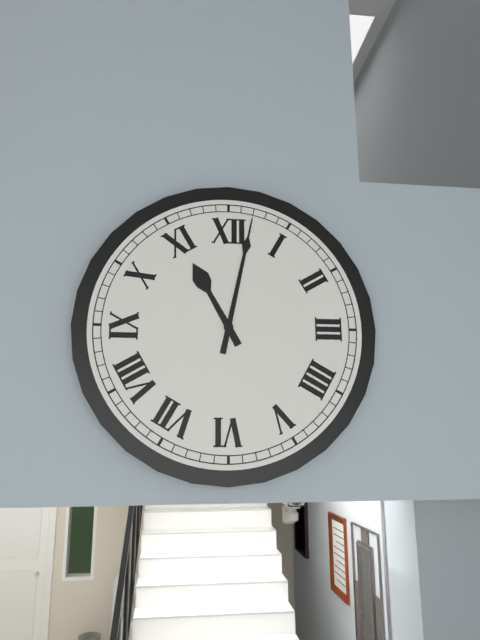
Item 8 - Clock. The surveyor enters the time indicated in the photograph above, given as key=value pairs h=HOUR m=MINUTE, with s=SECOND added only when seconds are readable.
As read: h=11 m=2
